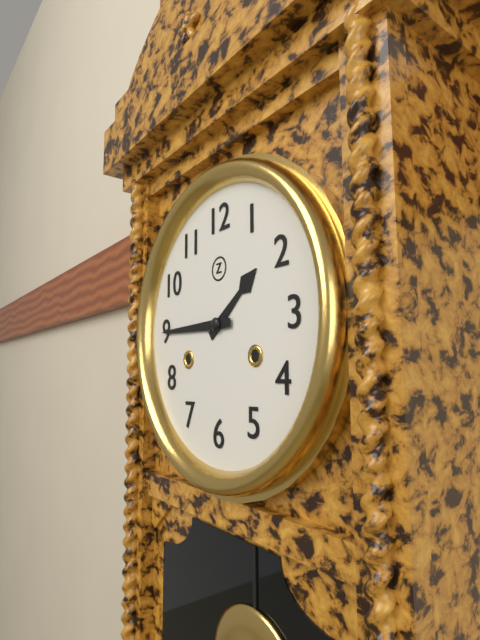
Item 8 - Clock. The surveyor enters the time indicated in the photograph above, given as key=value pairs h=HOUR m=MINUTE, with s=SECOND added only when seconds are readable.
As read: h=1 m=45
